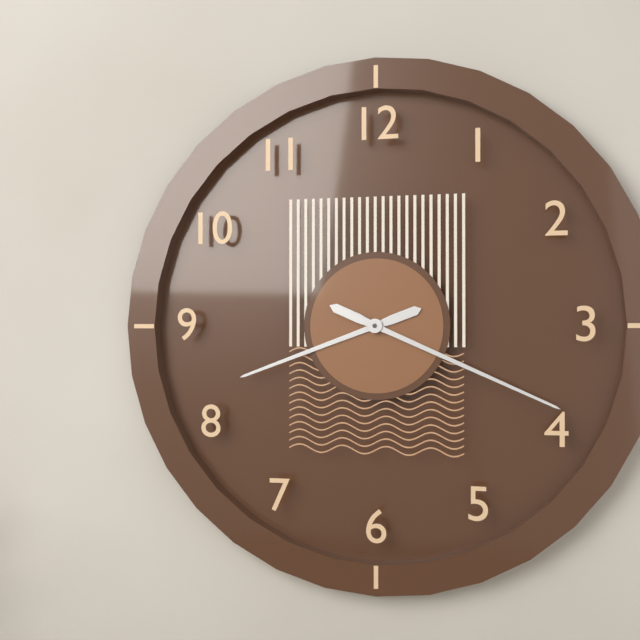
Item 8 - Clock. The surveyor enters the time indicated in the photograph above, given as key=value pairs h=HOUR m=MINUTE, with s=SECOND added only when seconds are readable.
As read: h=8 m=19
